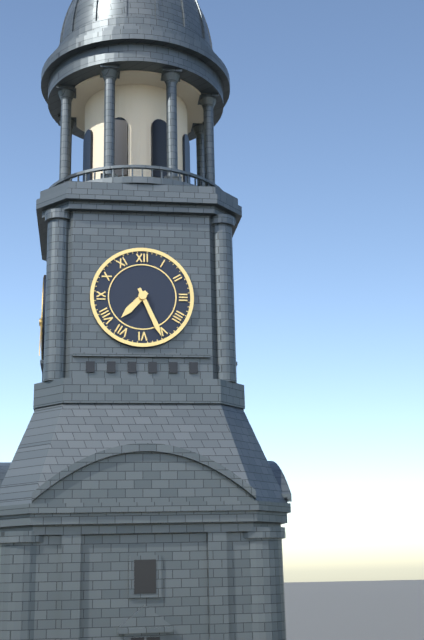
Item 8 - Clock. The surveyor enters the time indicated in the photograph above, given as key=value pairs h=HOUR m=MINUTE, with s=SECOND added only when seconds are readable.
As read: h=7 m=26
